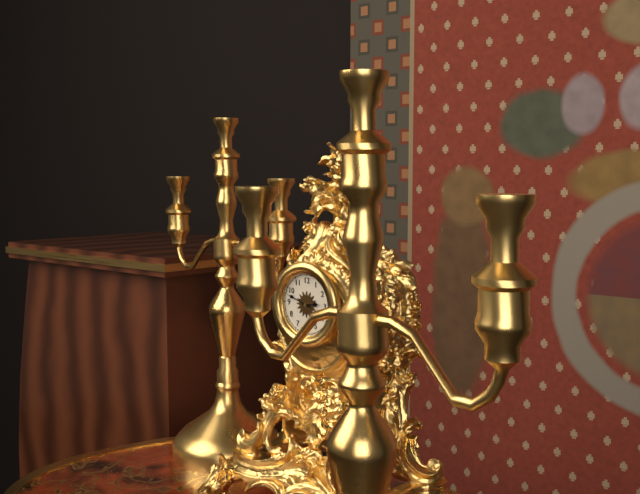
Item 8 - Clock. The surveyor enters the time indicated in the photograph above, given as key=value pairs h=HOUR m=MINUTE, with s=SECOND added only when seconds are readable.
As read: h=2 m=48
